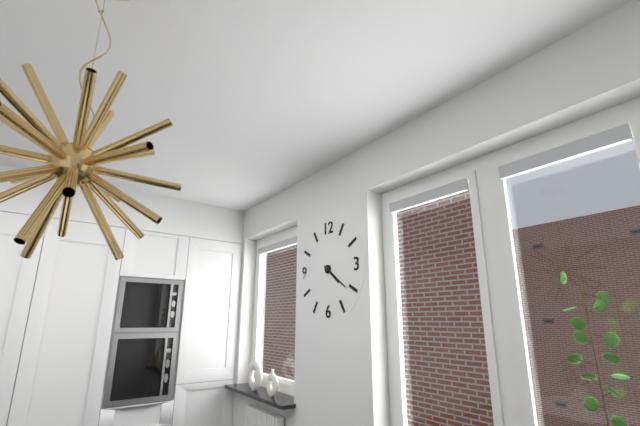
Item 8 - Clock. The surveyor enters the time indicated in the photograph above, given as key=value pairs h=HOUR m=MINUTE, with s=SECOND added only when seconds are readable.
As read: h=4 m=21
